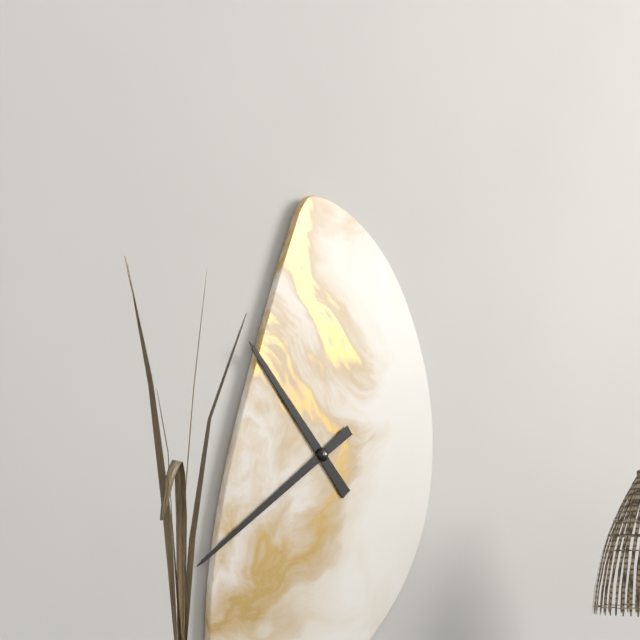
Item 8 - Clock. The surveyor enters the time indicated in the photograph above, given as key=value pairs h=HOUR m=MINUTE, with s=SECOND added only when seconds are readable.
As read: h=10 m=39
